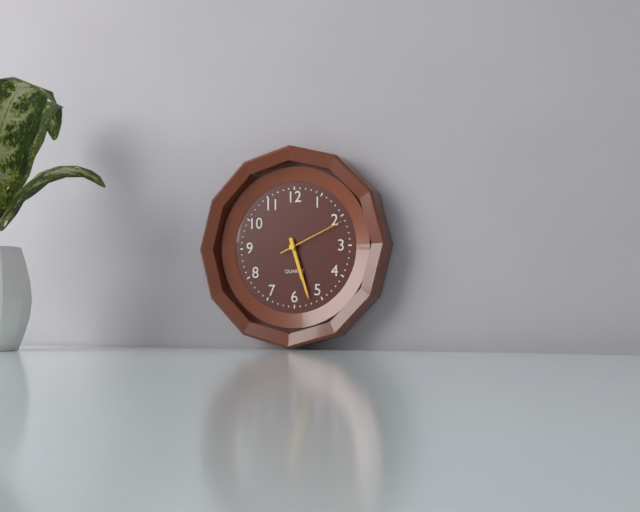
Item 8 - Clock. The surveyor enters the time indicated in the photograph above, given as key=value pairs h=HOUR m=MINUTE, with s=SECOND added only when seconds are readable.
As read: h=5 m=27 s=11
